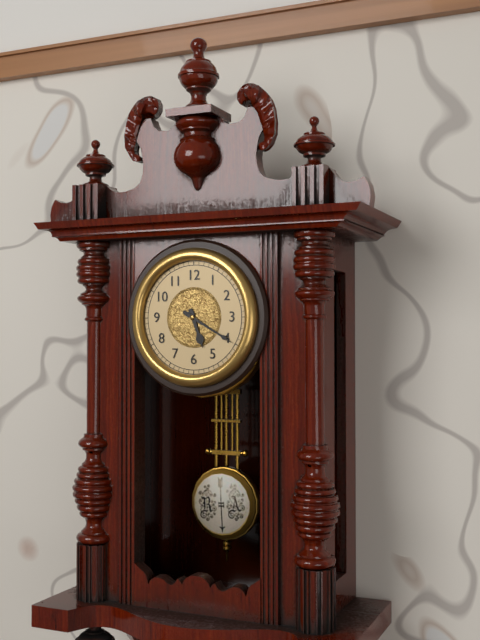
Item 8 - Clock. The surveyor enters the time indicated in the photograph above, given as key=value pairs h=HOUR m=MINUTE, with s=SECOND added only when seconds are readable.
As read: h=5 m=20
